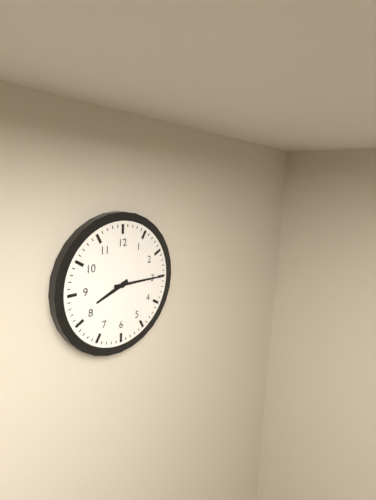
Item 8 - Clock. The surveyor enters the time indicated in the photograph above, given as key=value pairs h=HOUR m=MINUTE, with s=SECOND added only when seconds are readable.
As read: h=8 m=15
